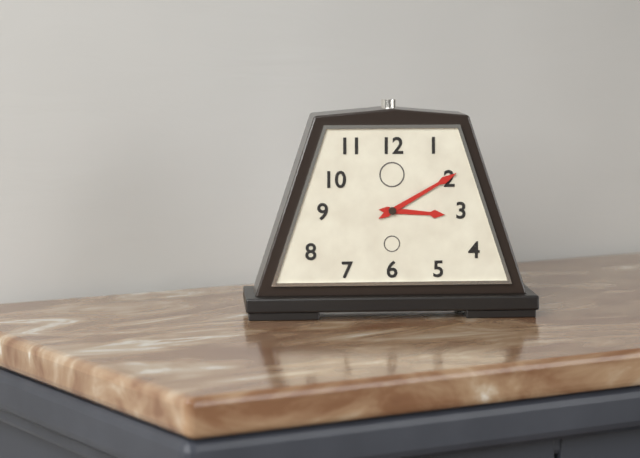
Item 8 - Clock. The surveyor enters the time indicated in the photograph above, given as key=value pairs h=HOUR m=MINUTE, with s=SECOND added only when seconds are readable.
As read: h=3 m=10
